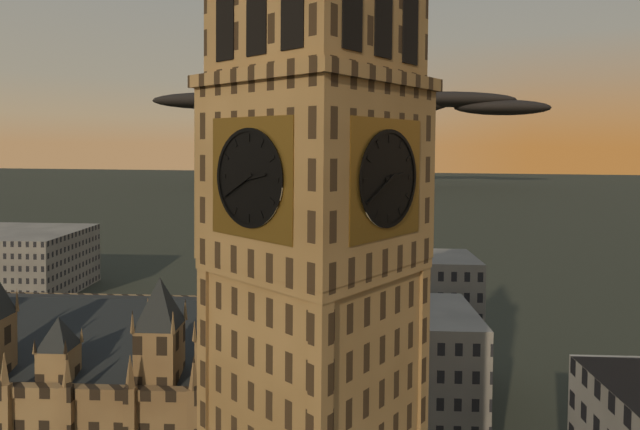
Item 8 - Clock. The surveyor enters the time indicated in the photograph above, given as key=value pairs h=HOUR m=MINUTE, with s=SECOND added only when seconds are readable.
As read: h=2 m=40
